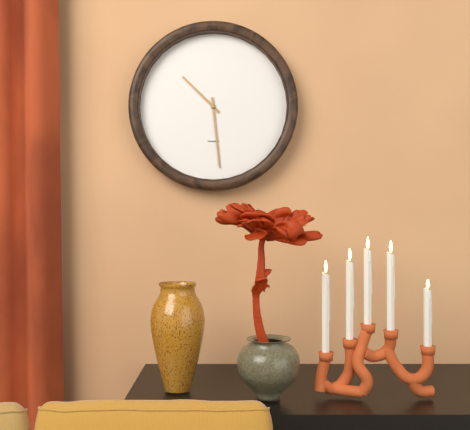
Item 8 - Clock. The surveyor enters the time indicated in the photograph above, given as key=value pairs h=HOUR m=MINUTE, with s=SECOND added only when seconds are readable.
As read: h=10 m=29
